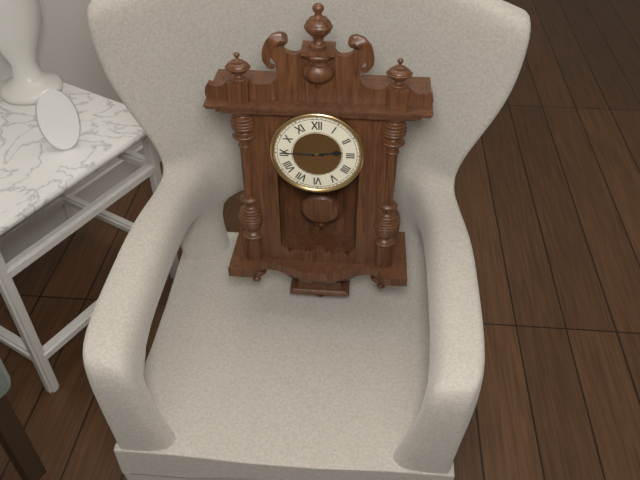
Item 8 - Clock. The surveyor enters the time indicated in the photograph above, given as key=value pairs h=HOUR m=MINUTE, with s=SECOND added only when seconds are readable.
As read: h=2 m=45
